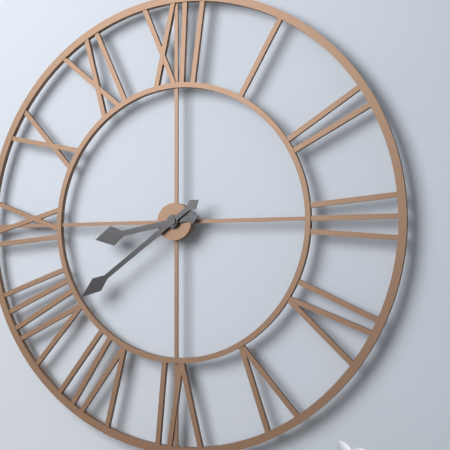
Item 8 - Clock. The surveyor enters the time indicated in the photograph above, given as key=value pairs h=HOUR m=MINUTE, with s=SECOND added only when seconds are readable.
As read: h=8 m=39
